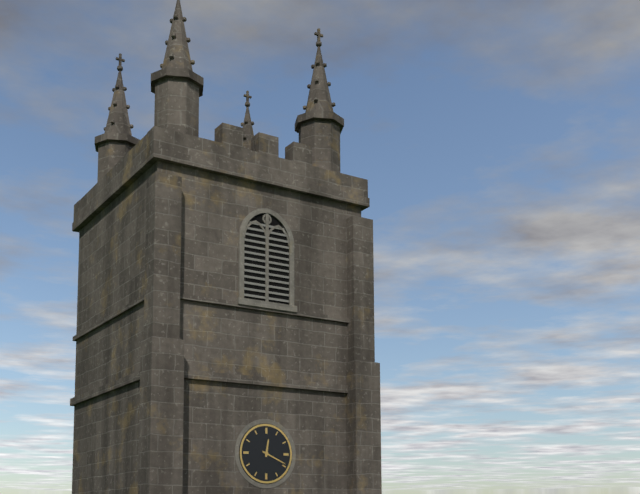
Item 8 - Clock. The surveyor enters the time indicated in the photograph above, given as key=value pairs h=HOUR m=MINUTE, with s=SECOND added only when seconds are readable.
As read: h=12 m=19
